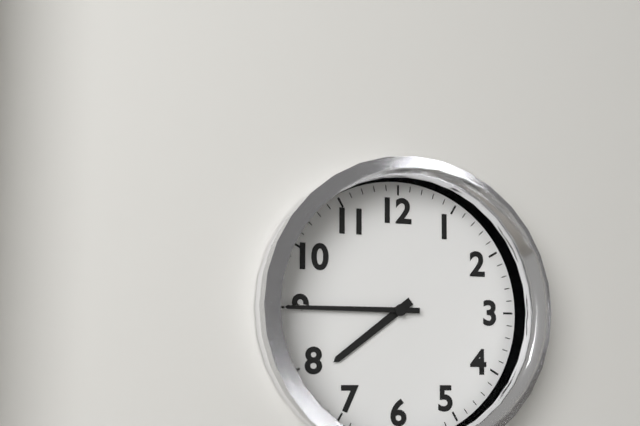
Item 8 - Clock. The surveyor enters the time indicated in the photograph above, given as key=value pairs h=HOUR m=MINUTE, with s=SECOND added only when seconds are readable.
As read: h=7 m=45
